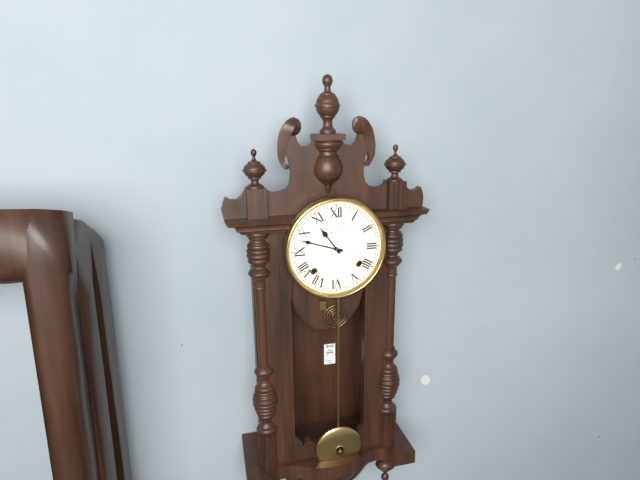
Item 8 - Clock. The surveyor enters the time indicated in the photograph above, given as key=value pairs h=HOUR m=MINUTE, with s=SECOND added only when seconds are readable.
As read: h=10 m=48
